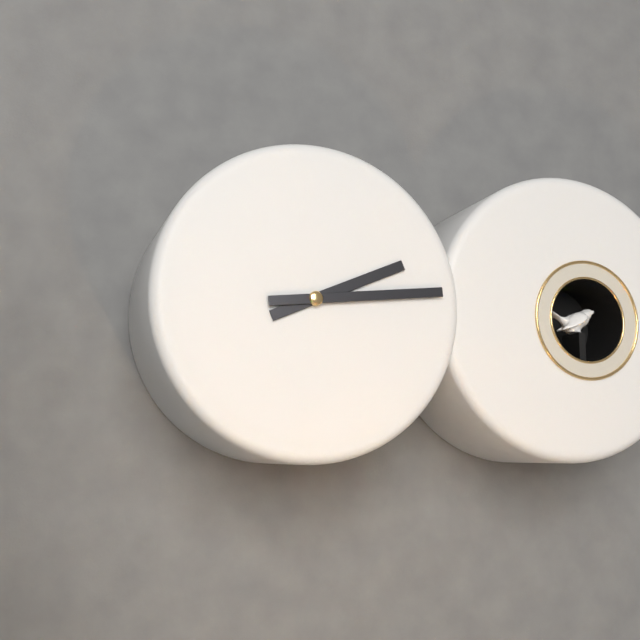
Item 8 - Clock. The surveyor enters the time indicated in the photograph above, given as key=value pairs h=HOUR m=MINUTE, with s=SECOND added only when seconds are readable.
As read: h=2 m=14
